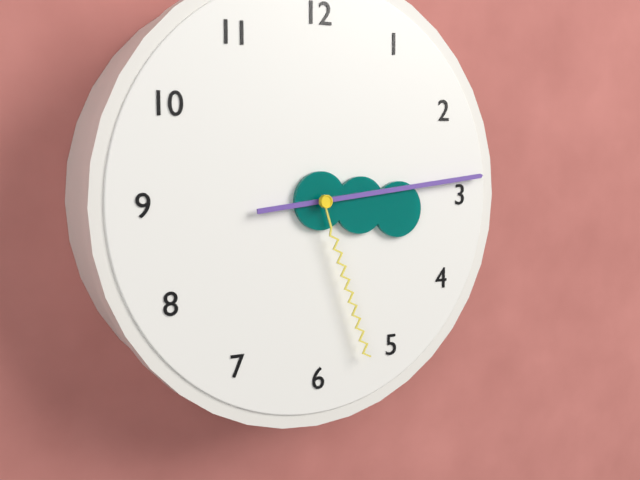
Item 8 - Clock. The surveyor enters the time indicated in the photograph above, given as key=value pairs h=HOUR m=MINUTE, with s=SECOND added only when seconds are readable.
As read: h=3 m=14 s=27
